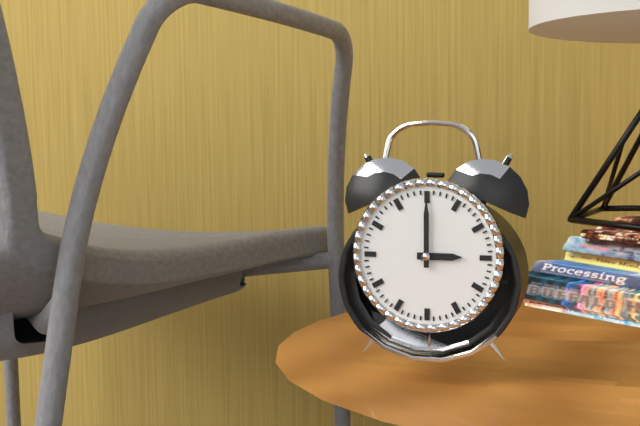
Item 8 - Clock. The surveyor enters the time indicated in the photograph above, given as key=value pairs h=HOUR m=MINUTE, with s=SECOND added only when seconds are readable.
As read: h=3 m=0
